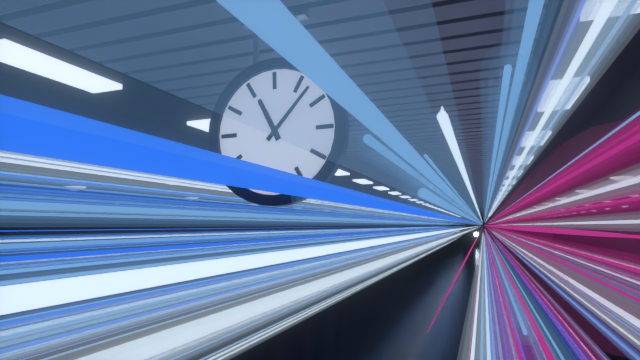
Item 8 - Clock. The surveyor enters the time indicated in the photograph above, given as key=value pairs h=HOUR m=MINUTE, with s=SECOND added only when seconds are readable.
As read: h=11 m=7
